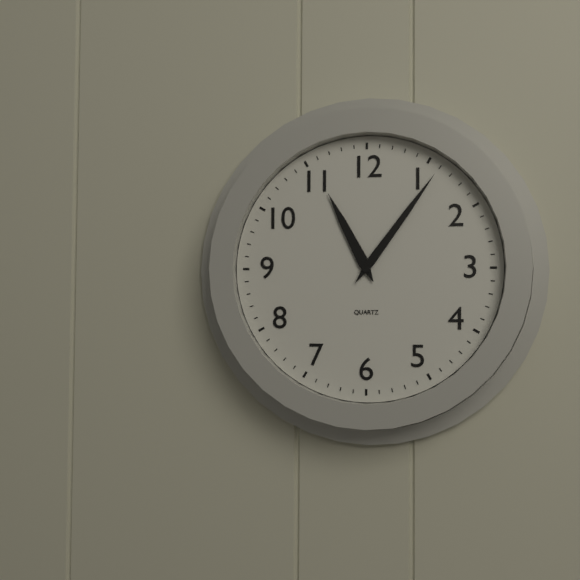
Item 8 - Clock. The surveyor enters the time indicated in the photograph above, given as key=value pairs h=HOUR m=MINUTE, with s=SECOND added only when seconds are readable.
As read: h=11 m=6
